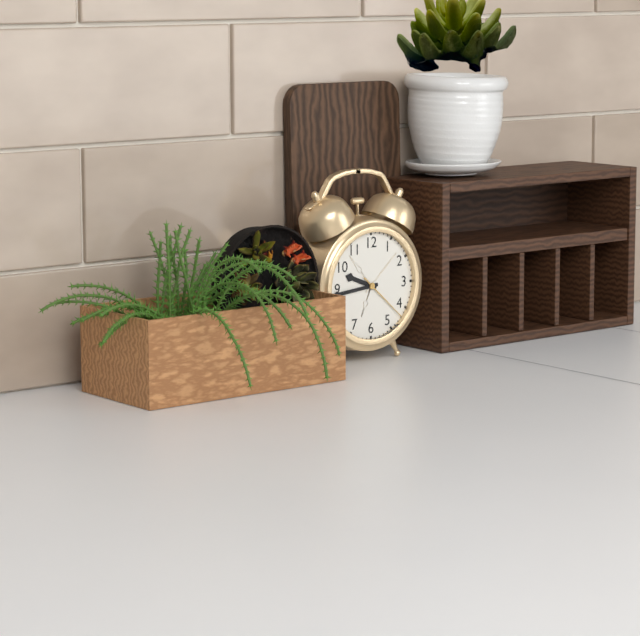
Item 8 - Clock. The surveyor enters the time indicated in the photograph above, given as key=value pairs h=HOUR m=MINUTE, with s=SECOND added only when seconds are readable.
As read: h=9 m=44 s=22
